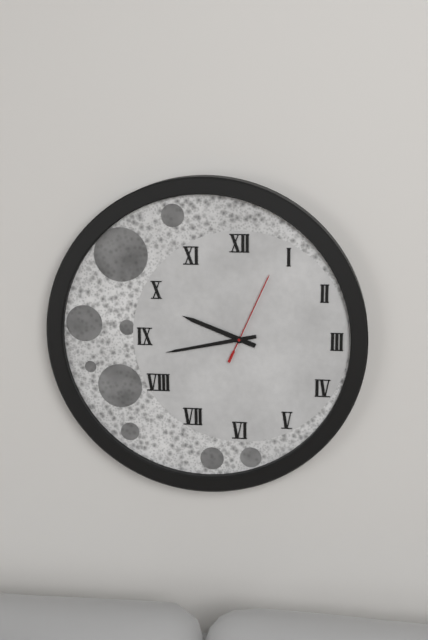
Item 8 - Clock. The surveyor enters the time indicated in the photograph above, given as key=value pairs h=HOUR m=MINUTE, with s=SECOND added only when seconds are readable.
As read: h=9 m=43 s=4
